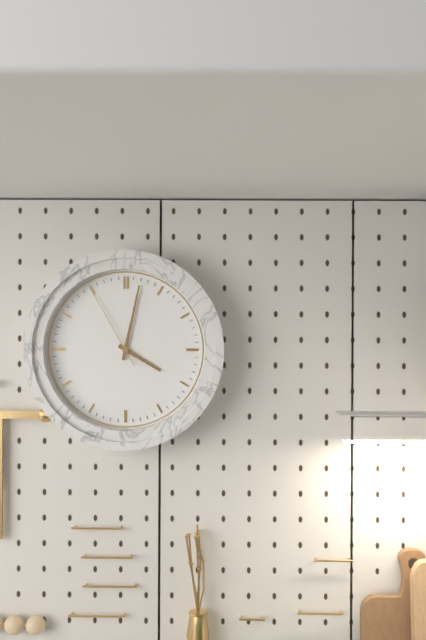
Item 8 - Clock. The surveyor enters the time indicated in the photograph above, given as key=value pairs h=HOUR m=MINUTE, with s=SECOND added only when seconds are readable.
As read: h=4 m=2 s=55
